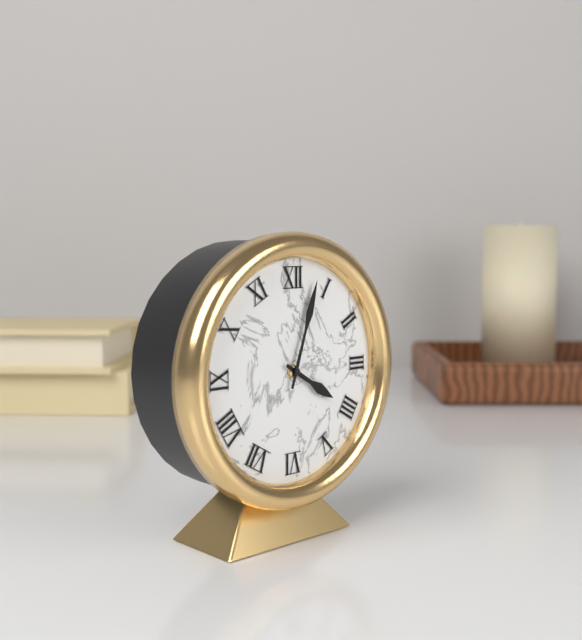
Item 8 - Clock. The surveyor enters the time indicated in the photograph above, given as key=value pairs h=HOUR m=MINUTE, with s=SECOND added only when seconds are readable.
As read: h=4 m=3
